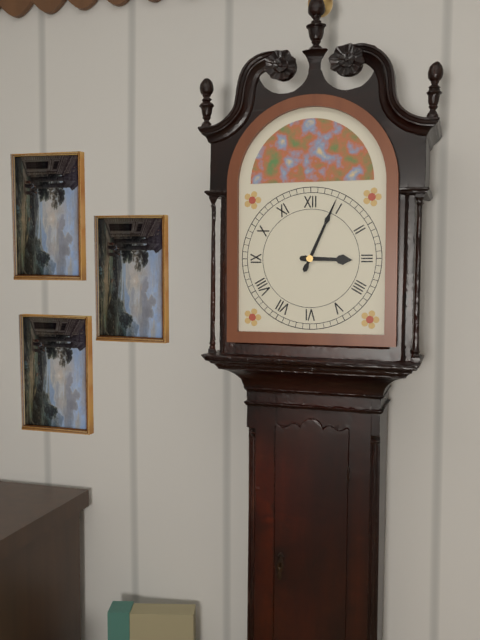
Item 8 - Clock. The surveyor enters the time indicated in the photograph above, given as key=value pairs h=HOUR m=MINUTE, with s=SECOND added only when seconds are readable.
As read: h=3 m=4
